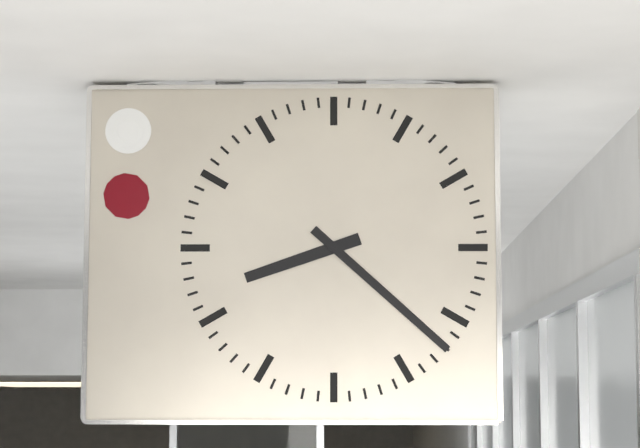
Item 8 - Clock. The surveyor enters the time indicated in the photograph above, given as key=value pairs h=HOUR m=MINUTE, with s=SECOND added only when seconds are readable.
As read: h=8 m=22
